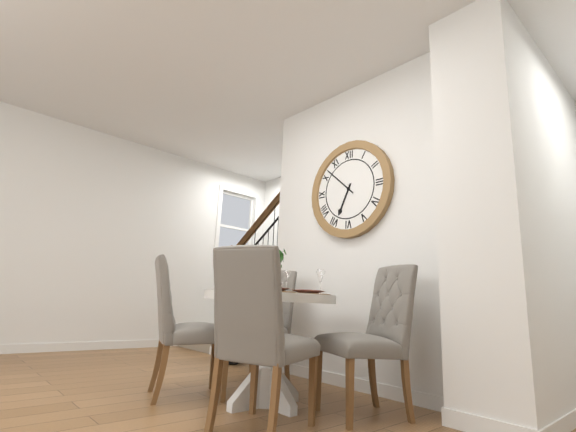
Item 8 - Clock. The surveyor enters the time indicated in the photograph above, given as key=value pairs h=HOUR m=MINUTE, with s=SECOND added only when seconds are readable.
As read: h=6 m=52
